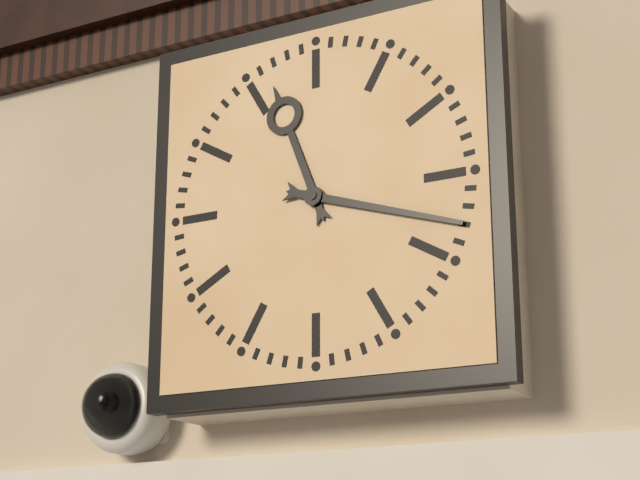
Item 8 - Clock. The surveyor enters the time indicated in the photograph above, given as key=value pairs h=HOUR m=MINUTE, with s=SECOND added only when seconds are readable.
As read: h=11 m=18
